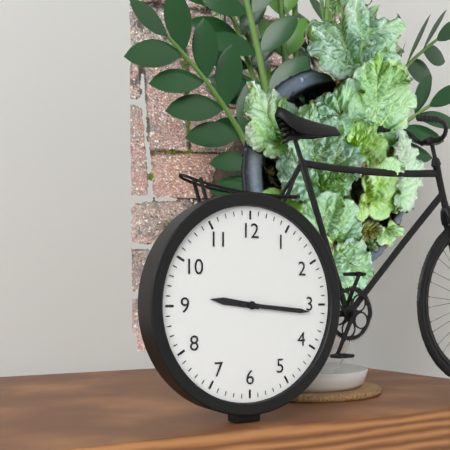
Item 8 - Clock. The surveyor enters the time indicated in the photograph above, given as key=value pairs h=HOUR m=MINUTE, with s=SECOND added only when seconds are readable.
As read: h=9 m=16
